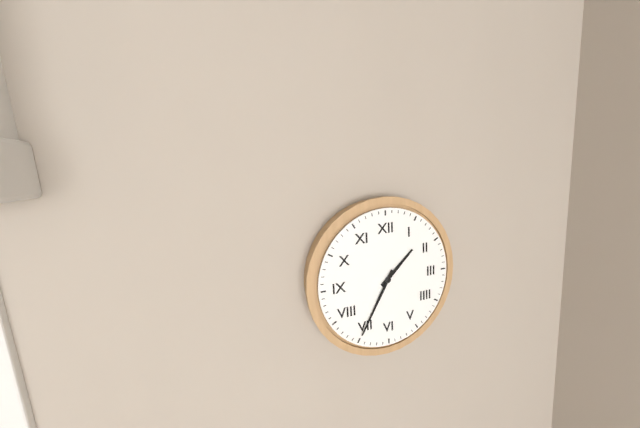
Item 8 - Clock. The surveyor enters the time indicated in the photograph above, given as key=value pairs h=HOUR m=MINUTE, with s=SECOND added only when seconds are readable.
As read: h=1 m=35
